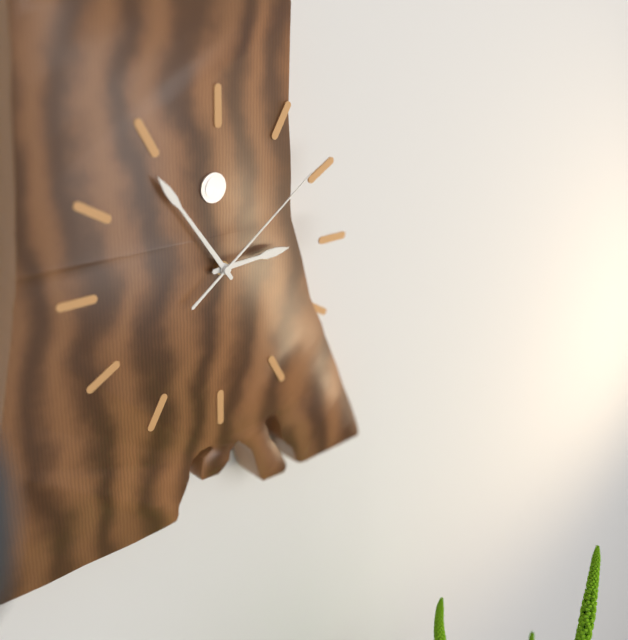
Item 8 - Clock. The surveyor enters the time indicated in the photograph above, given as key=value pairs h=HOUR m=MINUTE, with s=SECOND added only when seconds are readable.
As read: h=2 m=54 s=9
